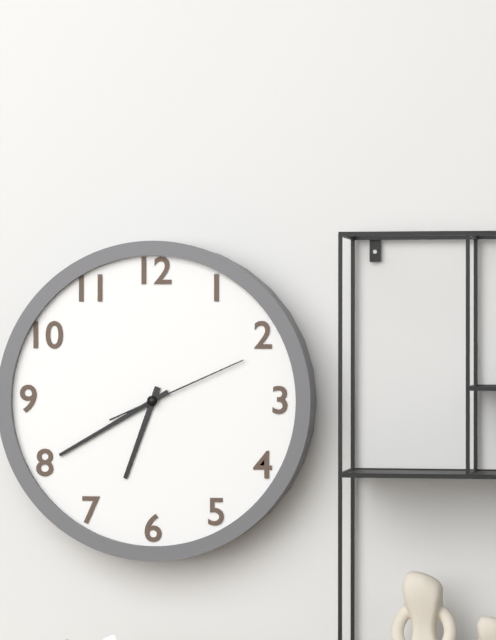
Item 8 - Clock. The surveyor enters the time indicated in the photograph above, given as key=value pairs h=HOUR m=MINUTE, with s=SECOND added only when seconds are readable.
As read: h=6 m=40 s=11
